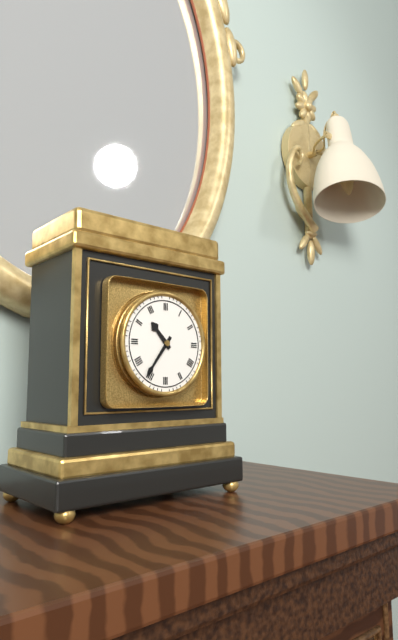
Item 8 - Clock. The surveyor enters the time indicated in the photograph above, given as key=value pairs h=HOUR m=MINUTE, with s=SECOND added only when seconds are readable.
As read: h=10 m=36
